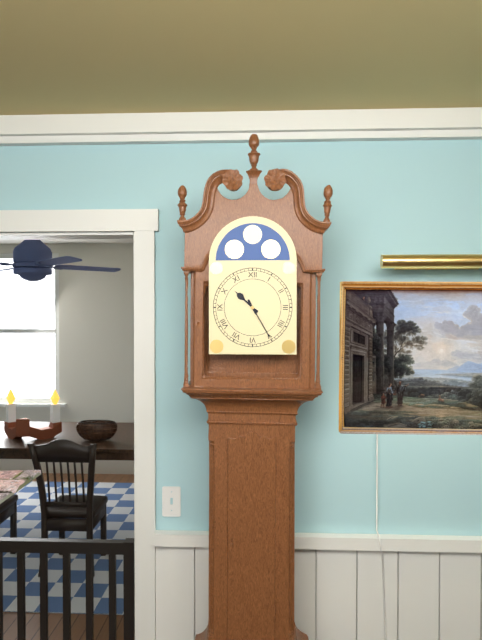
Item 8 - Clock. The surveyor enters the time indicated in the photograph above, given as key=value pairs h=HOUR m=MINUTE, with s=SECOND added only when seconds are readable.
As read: h=10 m=25
